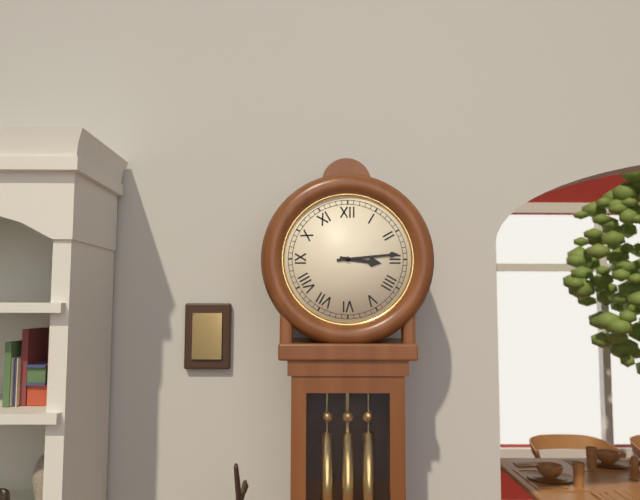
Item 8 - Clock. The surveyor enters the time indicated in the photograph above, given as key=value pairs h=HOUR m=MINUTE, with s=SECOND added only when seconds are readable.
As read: h=3 m=14
